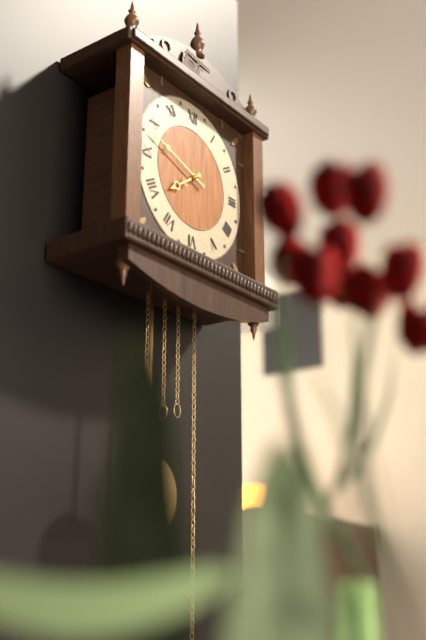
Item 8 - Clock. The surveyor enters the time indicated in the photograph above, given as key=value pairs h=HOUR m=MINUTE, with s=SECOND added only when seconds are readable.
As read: h=7 m=48
